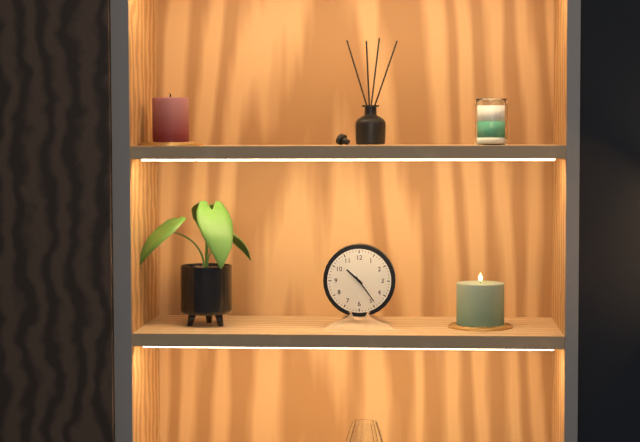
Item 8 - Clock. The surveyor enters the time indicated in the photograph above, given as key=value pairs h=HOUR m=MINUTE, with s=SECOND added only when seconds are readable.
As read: h=10 m=24
